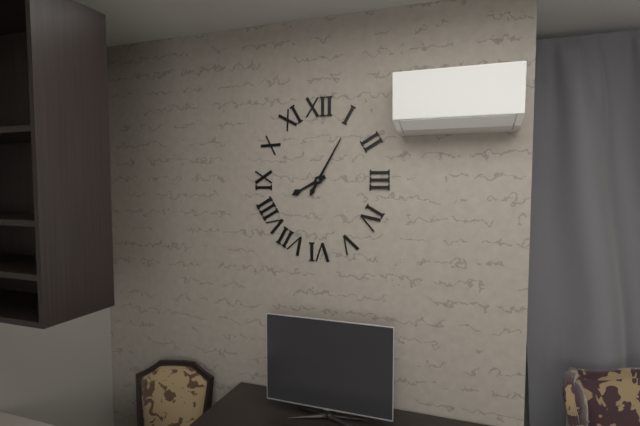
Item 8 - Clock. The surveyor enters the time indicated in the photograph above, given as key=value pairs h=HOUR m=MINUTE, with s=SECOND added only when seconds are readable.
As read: h=8 m=5
